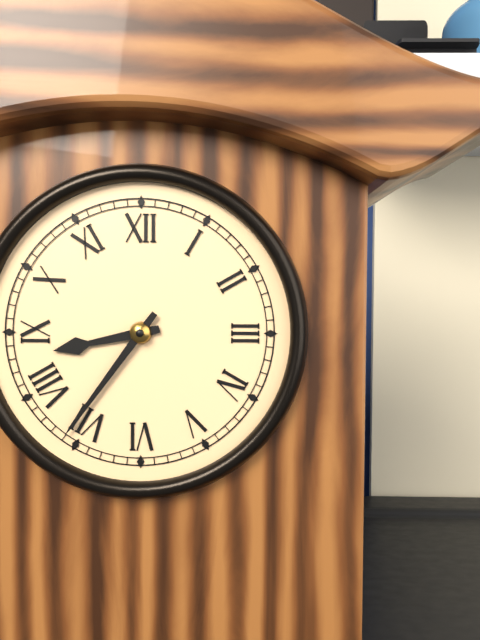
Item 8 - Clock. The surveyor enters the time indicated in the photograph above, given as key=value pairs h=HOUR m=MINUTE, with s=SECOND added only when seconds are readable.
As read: h=8 m=36
